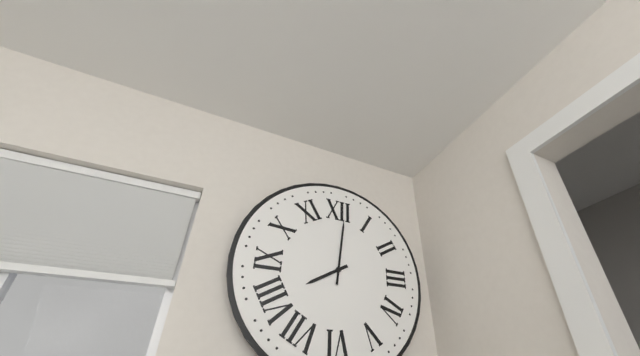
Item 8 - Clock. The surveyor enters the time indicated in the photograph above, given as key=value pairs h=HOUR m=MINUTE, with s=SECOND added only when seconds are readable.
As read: h=8 m=1
